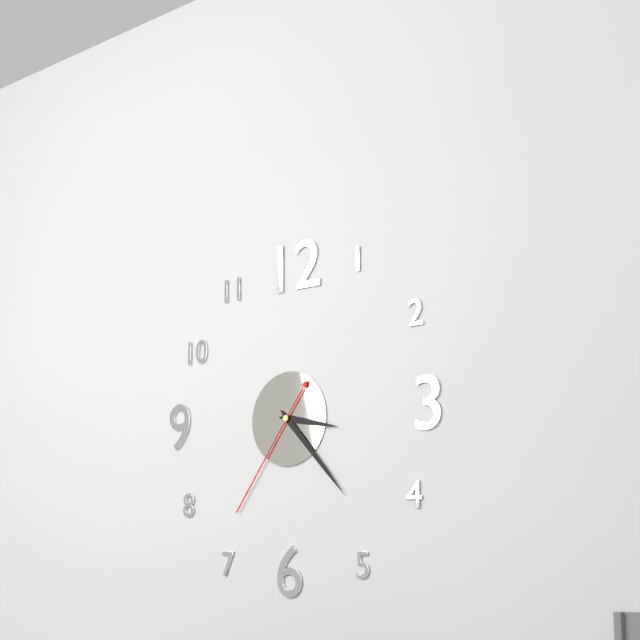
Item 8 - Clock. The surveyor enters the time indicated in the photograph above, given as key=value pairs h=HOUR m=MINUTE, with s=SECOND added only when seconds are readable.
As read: h=3 m=23 s=36
